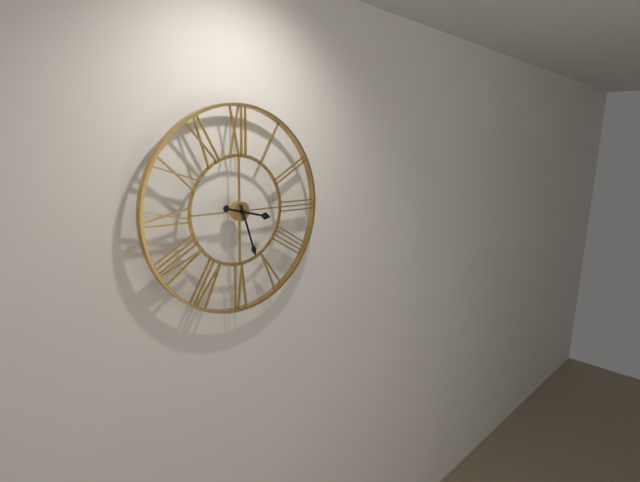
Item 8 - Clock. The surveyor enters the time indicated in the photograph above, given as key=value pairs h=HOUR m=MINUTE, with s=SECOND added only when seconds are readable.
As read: h=3 m=27
